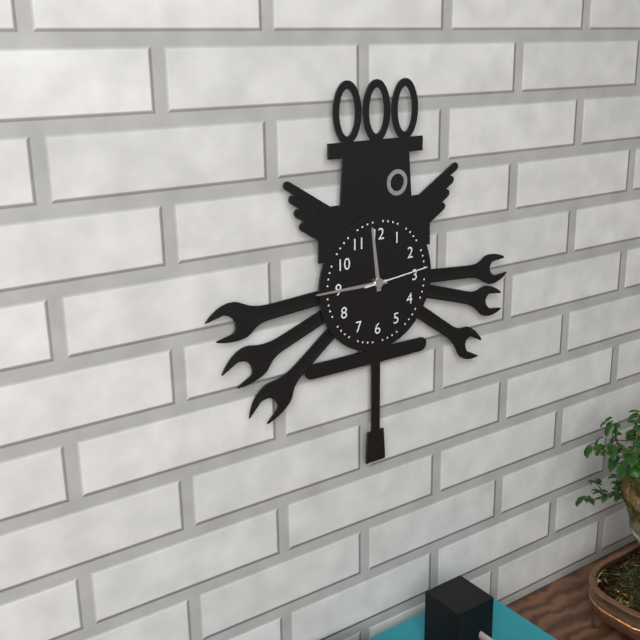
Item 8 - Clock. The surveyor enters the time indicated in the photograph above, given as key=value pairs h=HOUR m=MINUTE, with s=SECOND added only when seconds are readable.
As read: h=11 m=45 s=14
